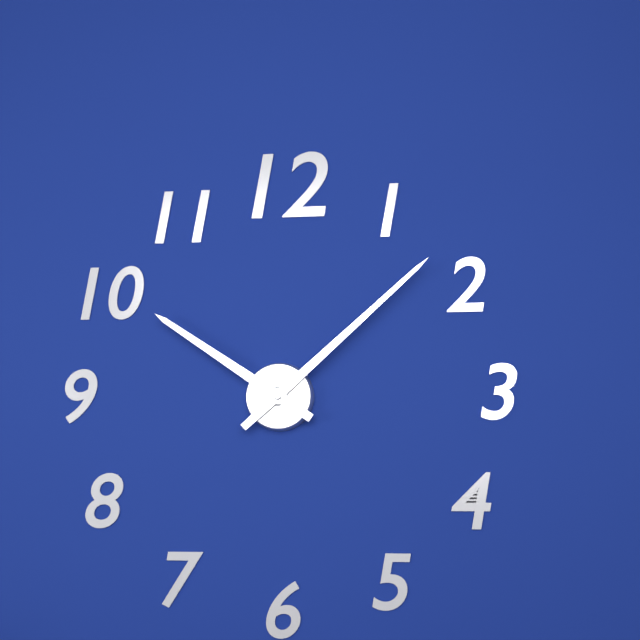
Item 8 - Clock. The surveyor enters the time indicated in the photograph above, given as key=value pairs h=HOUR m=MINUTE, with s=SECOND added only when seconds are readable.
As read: h=10 m=8
